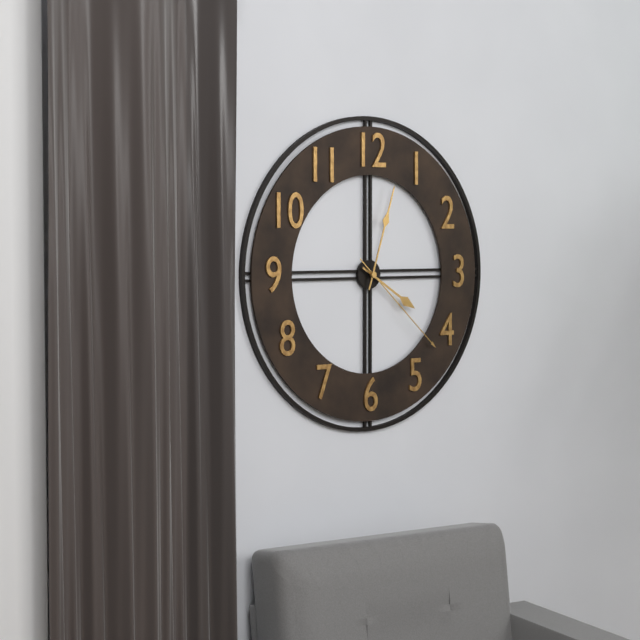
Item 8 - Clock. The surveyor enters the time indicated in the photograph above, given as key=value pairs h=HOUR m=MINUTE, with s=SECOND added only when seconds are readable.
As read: h=4 m=3 s=22
